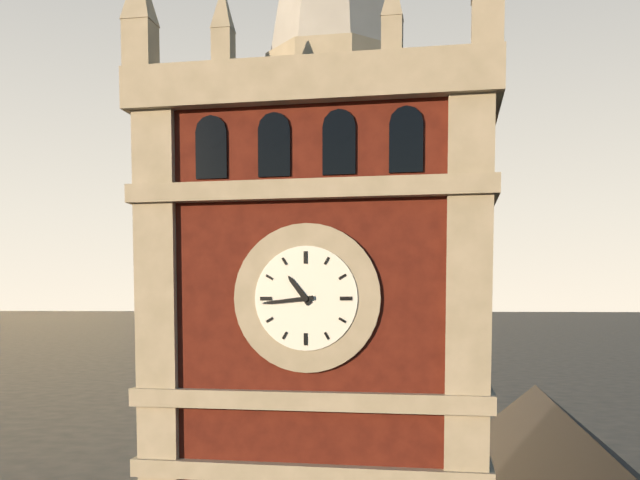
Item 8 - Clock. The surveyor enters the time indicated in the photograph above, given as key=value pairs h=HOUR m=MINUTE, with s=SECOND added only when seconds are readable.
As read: h=10 m=44
